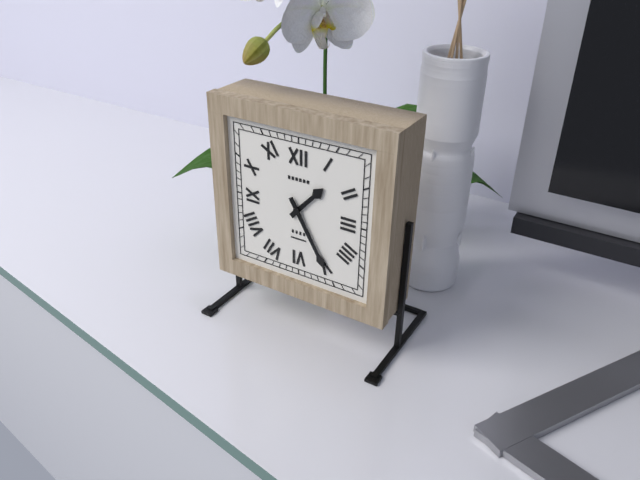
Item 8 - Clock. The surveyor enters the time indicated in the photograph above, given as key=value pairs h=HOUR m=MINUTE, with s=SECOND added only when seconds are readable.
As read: h=1 m=25
